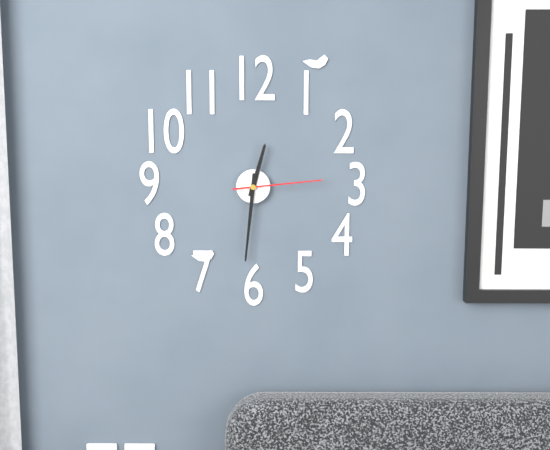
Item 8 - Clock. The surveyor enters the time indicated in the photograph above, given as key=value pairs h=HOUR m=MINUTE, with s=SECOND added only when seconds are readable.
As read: h=12 m=31 s=14
